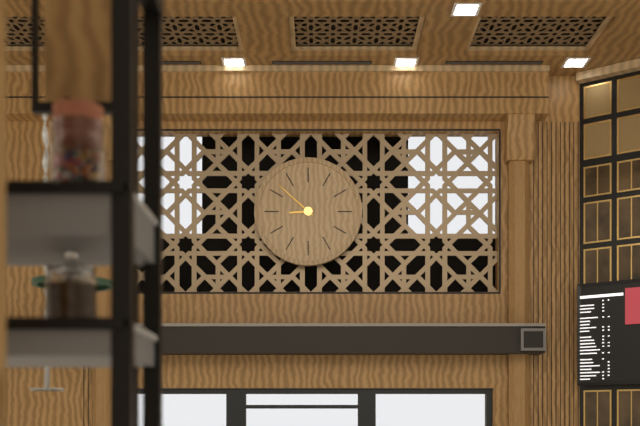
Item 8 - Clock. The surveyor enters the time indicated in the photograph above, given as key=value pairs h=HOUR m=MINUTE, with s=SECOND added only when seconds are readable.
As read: h=8 m=52
